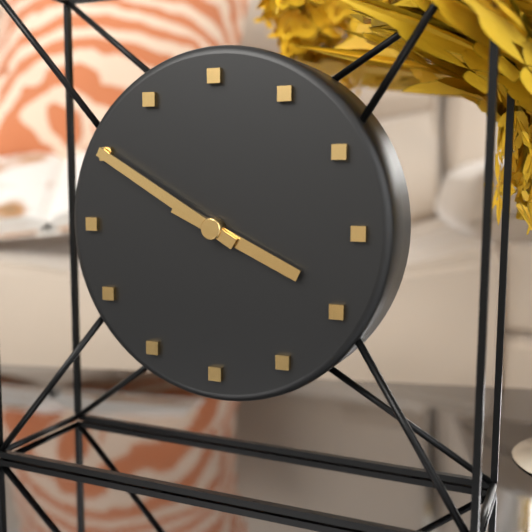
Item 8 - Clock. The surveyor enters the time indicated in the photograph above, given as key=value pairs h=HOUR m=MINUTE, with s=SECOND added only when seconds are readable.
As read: h=3 m=50
